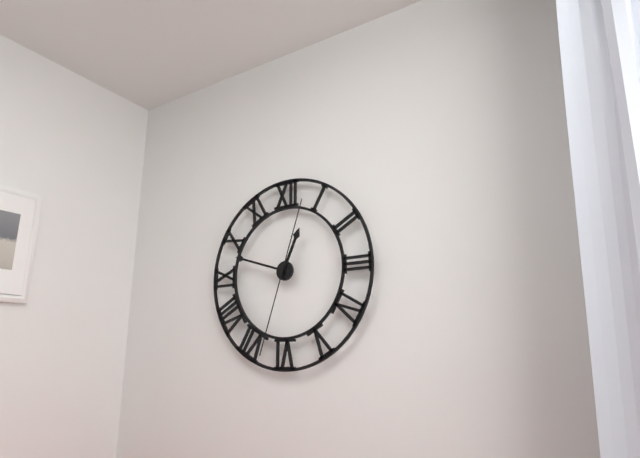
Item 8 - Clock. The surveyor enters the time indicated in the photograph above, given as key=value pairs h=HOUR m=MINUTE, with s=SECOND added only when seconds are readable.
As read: h=12 m=48 s=33
